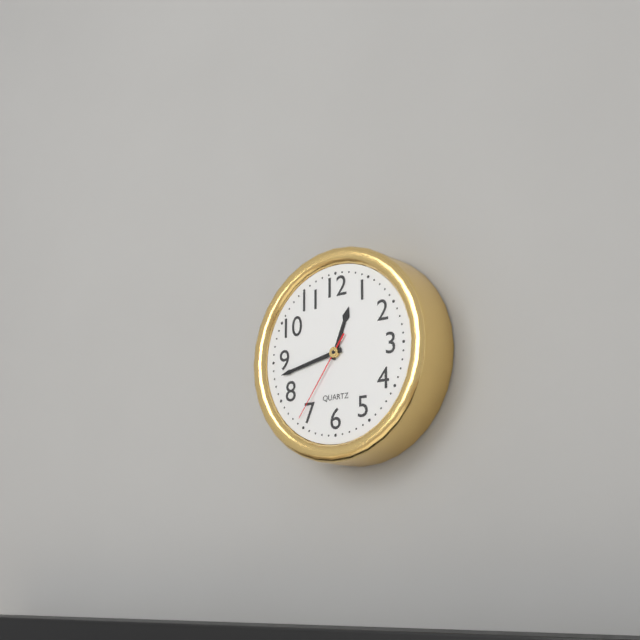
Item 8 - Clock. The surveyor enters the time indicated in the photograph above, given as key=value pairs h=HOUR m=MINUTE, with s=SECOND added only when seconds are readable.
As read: h=12 m=43 s=36
